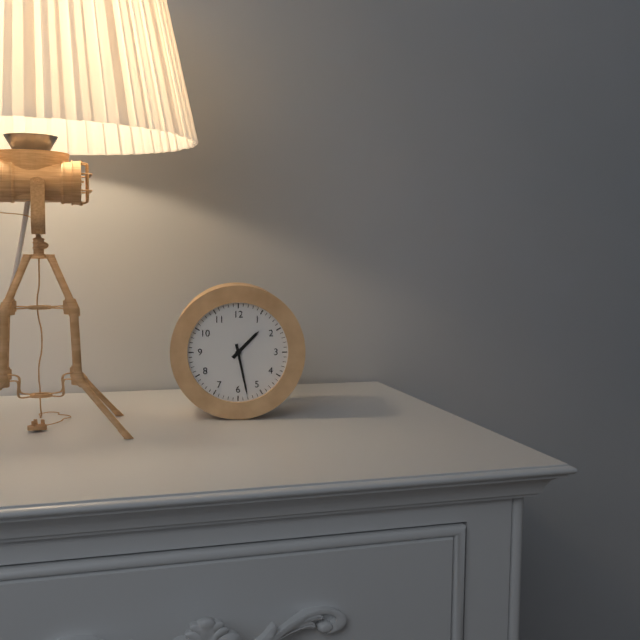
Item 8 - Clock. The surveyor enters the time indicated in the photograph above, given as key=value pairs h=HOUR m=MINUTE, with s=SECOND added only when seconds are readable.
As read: h=1 m=28
